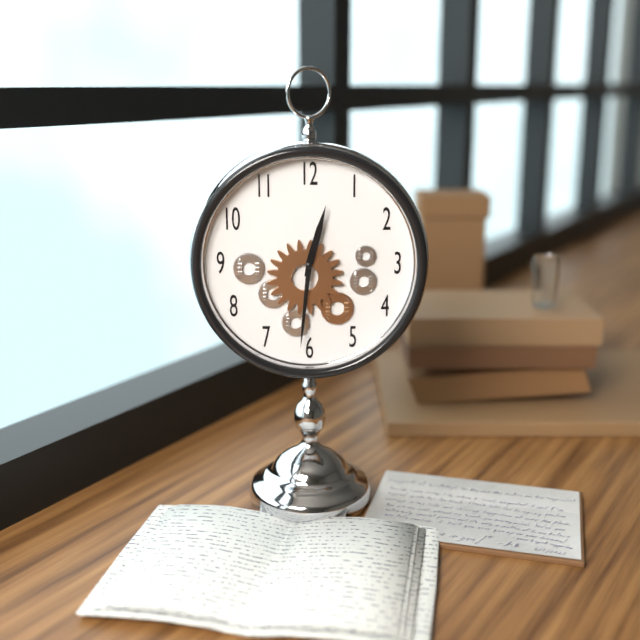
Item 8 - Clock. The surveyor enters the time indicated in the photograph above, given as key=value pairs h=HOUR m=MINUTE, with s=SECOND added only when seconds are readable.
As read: h=12 m=31
